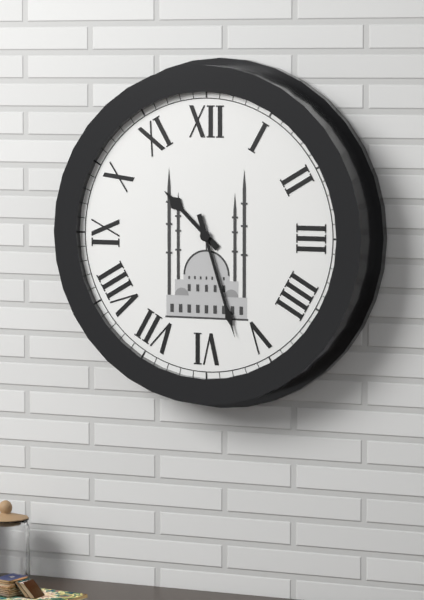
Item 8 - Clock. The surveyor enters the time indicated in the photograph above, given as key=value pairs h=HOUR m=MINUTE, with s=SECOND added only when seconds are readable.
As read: h=10 m=27
